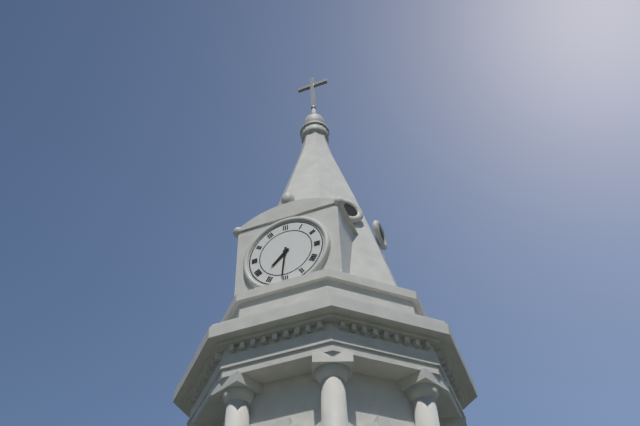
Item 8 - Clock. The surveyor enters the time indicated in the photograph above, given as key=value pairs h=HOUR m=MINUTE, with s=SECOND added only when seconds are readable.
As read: h=7 m=31
